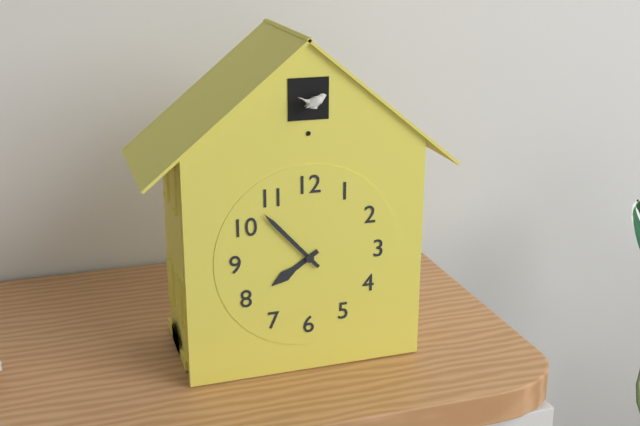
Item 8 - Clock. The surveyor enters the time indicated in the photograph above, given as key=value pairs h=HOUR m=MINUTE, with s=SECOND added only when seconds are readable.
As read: h=7 m=53
